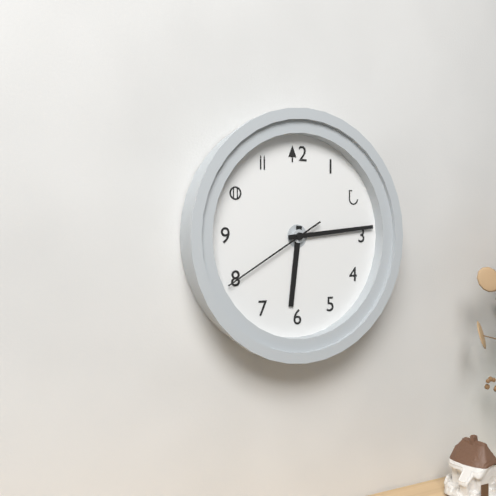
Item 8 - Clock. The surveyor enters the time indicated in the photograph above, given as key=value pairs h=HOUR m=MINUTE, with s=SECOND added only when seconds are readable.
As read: h=6 m=14 s=40
